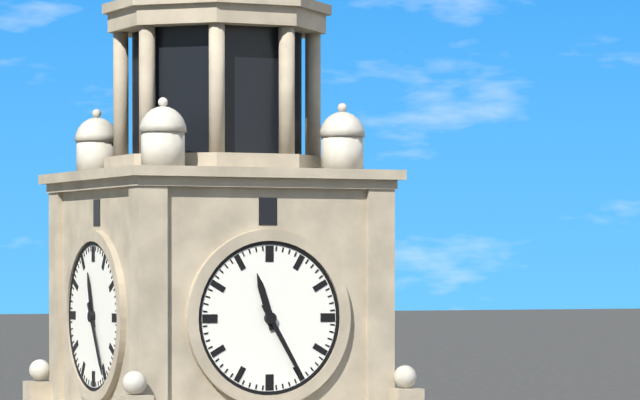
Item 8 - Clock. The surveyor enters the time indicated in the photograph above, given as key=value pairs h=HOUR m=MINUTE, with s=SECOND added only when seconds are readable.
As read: h=11 m=25
